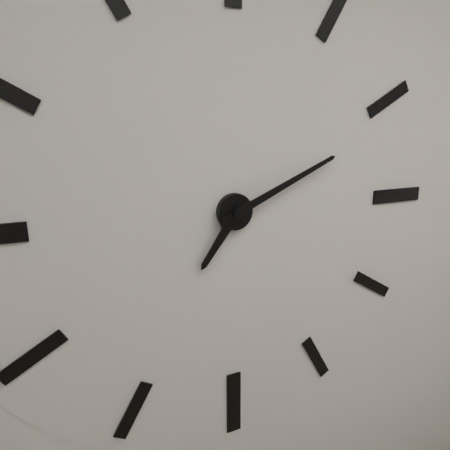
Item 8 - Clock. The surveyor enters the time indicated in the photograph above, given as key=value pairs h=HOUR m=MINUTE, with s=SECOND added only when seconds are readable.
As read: h=7 m=11
